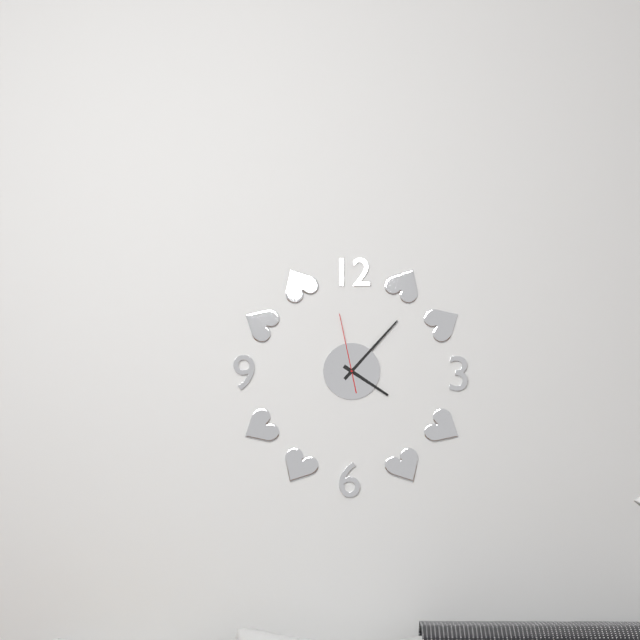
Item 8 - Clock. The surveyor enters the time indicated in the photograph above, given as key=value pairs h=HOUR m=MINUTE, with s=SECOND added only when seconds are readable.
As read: h=4 m=7 s=58
